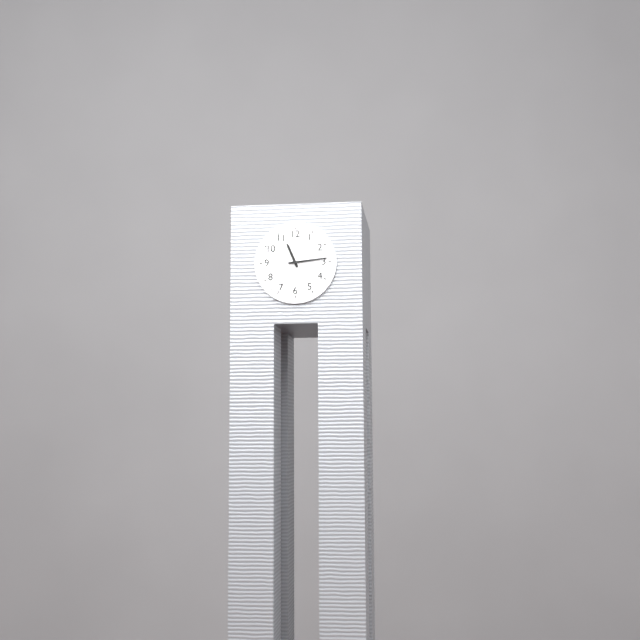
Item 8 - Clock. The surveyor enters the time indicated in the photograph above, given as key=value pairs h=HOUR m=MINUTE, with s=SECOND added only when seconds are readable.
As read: h=11 m=14
